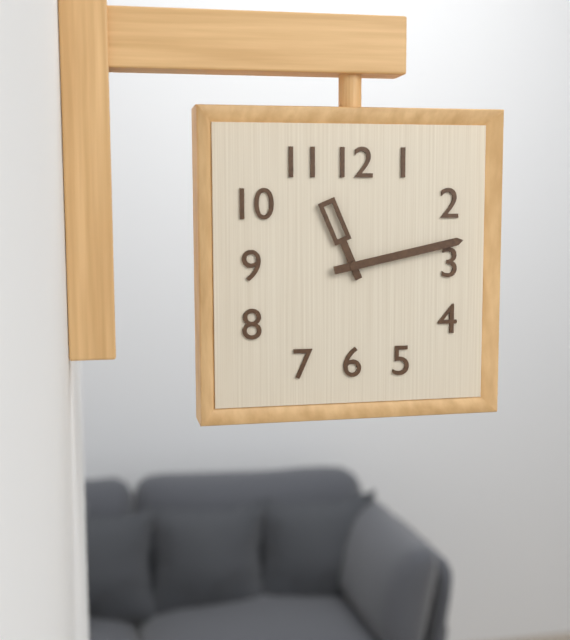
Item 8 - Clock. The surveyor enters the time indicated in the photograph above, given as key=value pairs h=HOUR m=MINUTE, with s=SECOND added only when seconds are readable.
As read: h=11 m=13
